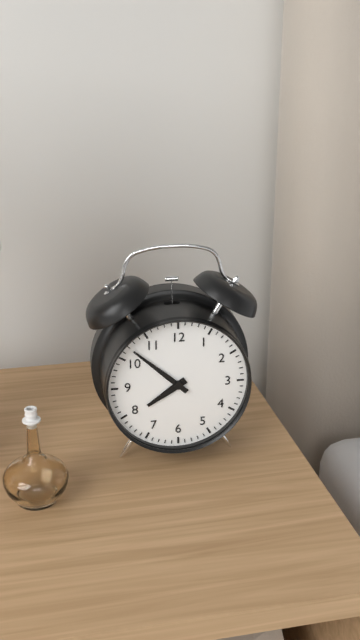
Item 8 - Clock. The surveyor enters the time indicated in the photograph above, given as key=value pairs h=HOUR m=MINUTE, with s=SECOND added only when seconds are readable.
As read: h=7 m=52
